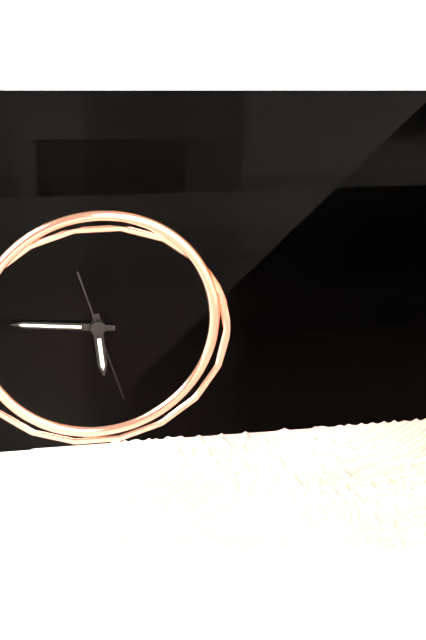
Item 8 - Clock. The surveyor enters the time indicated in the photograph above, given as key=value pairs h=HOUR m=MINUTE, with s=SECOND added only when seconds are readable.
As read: h=5 m=46 s=27
